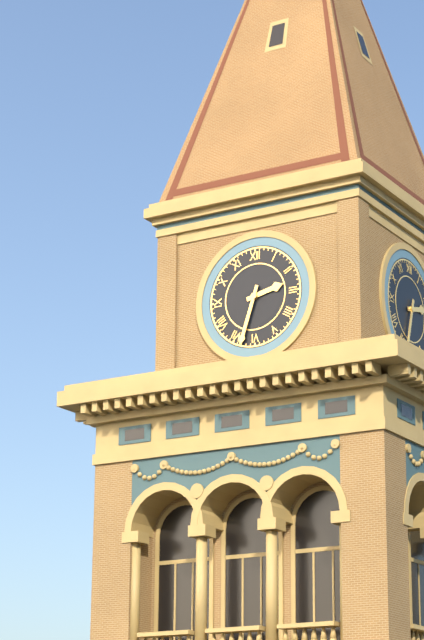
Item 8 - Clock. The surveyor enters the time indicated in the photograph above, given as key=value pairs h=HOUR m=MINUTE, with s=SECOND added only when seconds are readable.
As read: h=2 m=33
